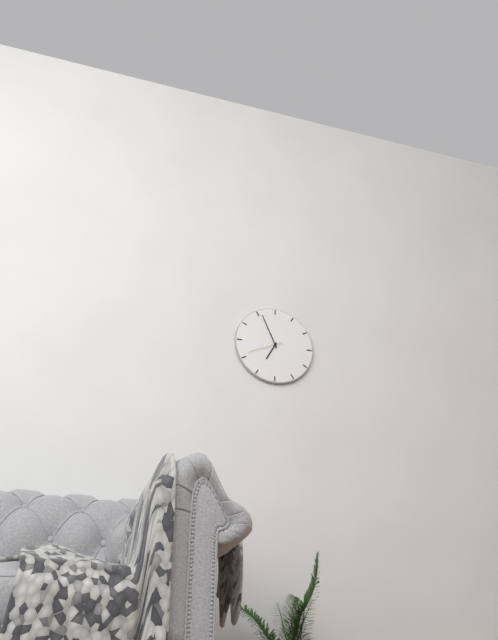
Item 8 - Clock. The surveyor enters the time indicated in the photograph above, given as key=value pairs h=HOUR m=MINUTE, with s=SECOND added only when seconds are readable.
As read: h=6 m=56
